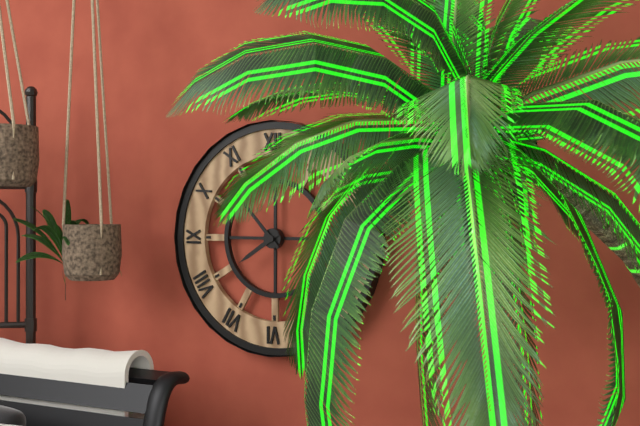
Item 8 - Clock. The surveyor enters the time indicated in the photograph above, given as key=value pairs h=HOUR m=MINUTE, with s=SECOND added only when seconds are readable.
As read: h=7 m=53
